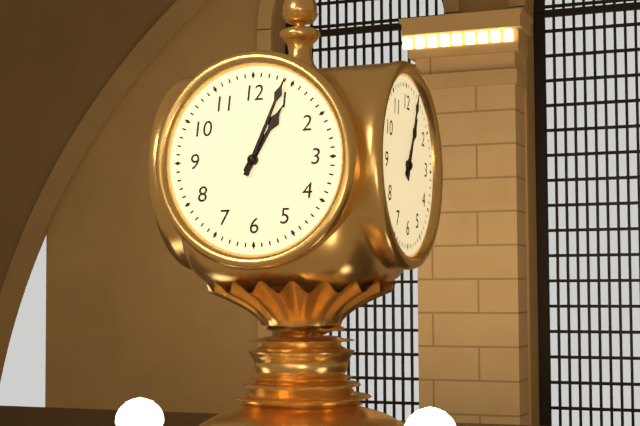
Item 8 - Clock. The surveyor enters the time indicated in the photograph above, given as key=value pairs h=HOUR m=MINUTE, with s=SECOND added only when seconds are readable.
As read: h=1 m=4
